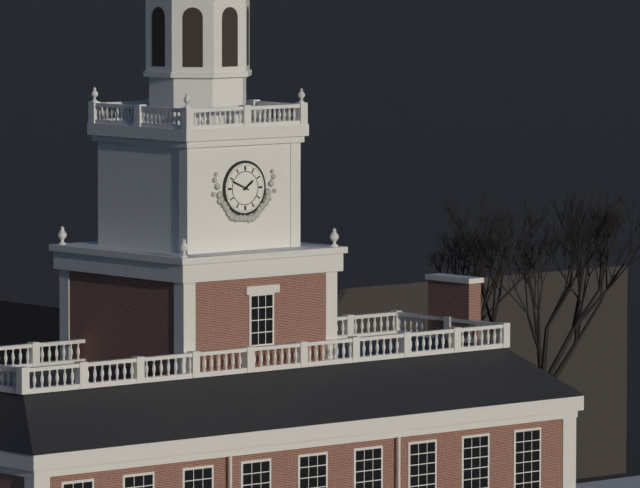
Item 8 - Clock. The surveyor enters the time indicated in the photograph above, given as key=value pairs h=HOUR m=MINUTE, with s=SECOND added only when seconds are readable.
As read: h=1 m=49
